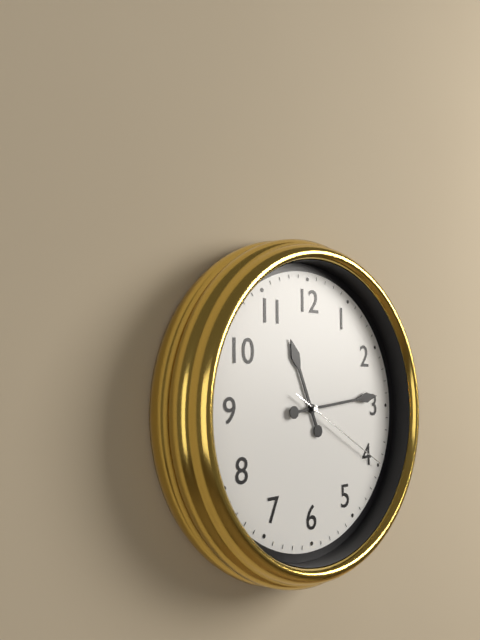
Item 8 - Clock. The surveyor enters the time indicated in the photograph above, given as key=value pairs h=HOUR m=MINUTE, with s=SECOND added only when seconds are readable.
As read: h=11 m=14 s=20
